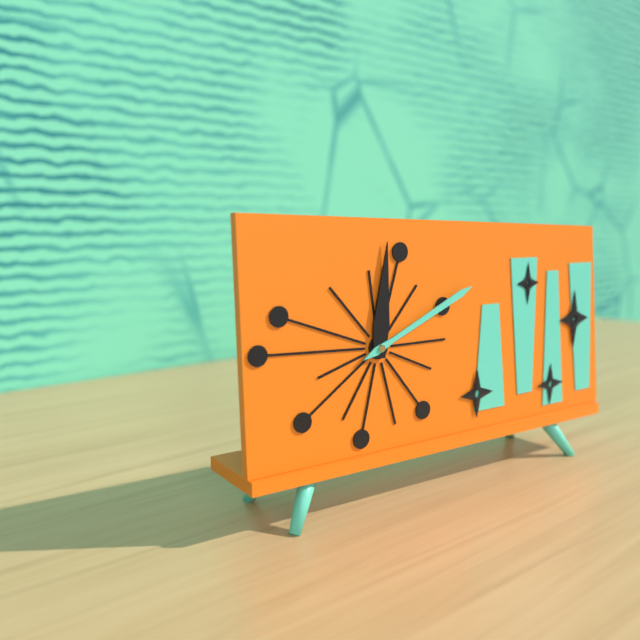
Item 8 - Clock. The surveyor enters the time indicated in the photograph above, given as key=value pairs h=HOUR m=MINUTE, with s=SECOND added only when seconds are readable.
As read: h=12 m=11
